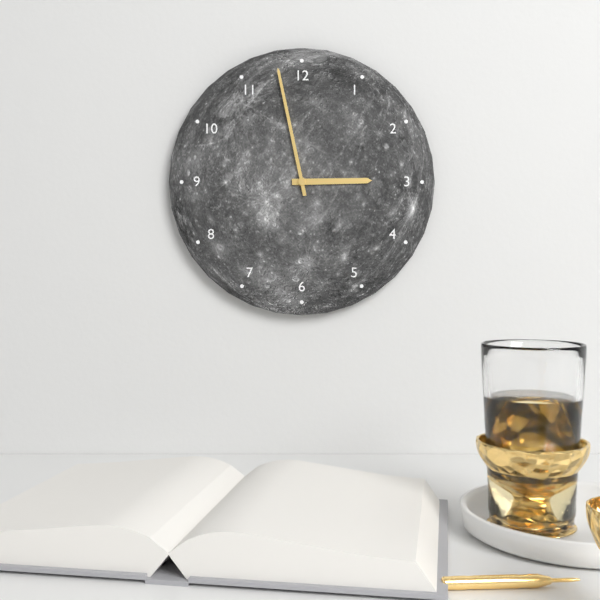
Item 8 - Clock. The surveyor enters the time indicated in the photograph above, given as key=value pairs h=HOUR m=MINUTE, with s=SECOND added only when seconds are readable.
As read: h=2 m=58
